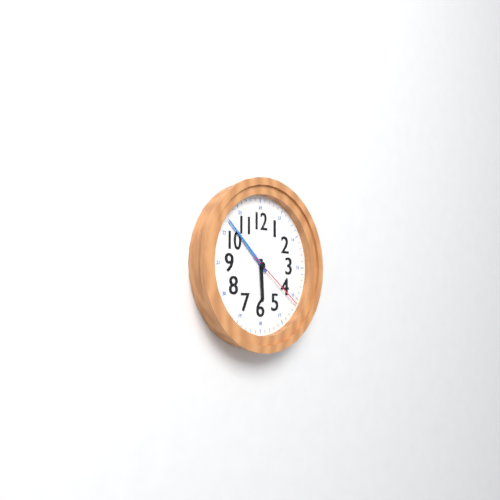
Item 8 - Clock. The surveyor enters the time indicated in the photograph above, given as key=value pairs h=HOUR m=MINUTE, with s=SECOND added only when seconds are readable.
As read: h=5 m=52 s=21
